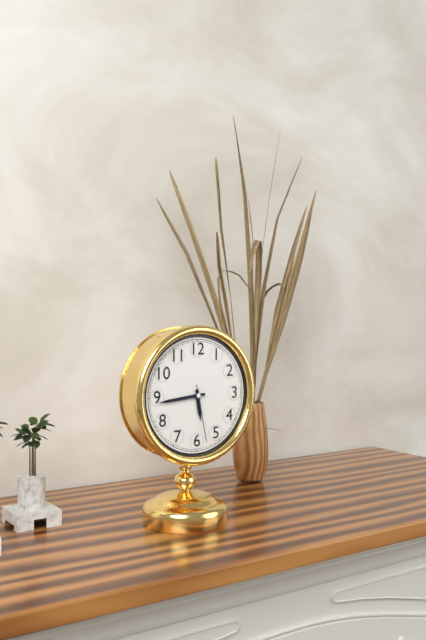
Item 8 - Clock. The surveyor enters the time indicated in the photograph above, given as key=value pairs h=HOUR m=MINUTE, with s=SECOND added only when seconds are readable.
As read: h=5 m=44 s=28
